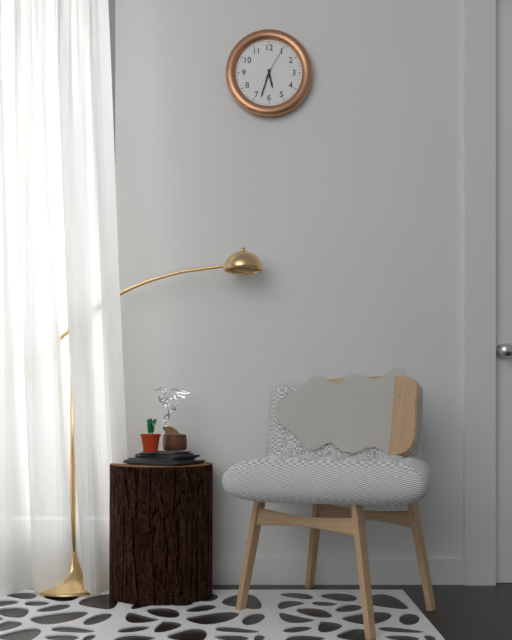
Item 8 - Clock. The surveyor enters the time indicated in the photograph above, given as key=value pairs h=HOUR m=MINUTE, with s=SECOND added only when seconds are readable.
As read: h=5 m=33
